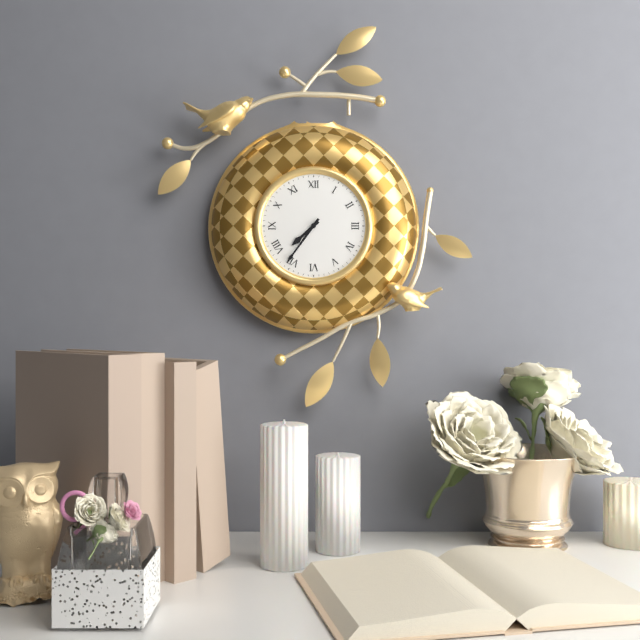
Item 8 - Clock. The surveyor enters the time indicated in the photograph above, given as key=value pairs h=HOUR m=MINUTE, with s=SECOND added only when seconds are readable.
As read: h=7 m=36
